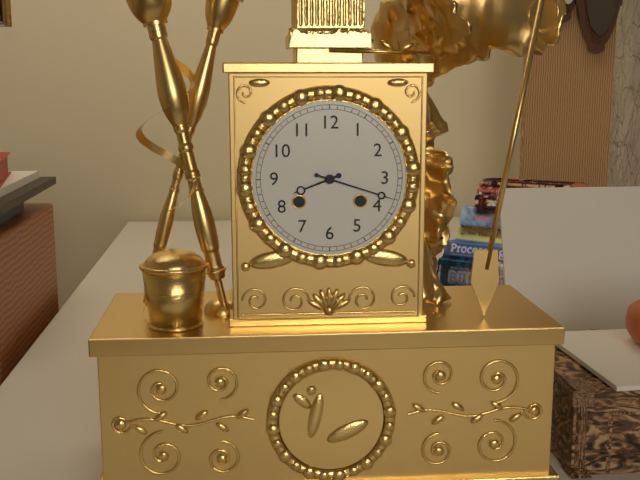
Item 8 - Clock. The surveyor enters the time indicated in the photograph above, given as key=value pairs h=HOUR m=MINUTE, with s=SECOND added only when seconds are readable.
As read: h=8 m=18
